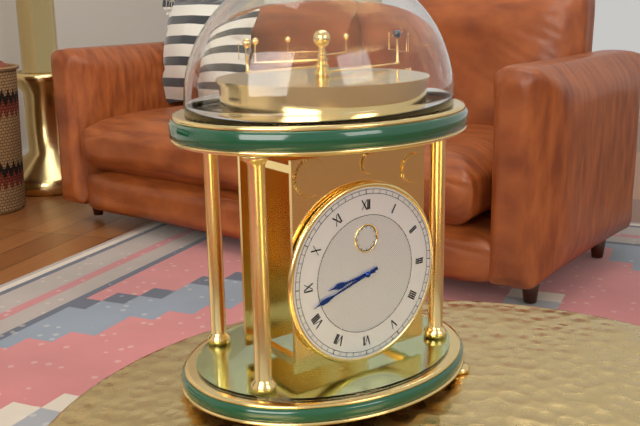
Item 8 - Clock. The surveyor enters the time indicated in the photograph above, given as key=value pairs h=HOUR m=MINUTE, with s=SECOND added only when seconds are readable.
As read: h=8 m=42
